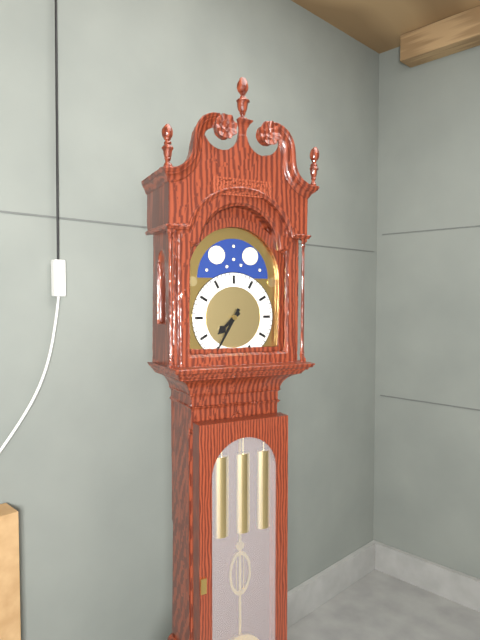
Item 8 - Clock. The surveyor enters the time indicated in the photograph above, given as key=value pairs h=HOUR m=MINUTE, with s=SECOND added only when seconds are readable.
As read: h=7 m=35
